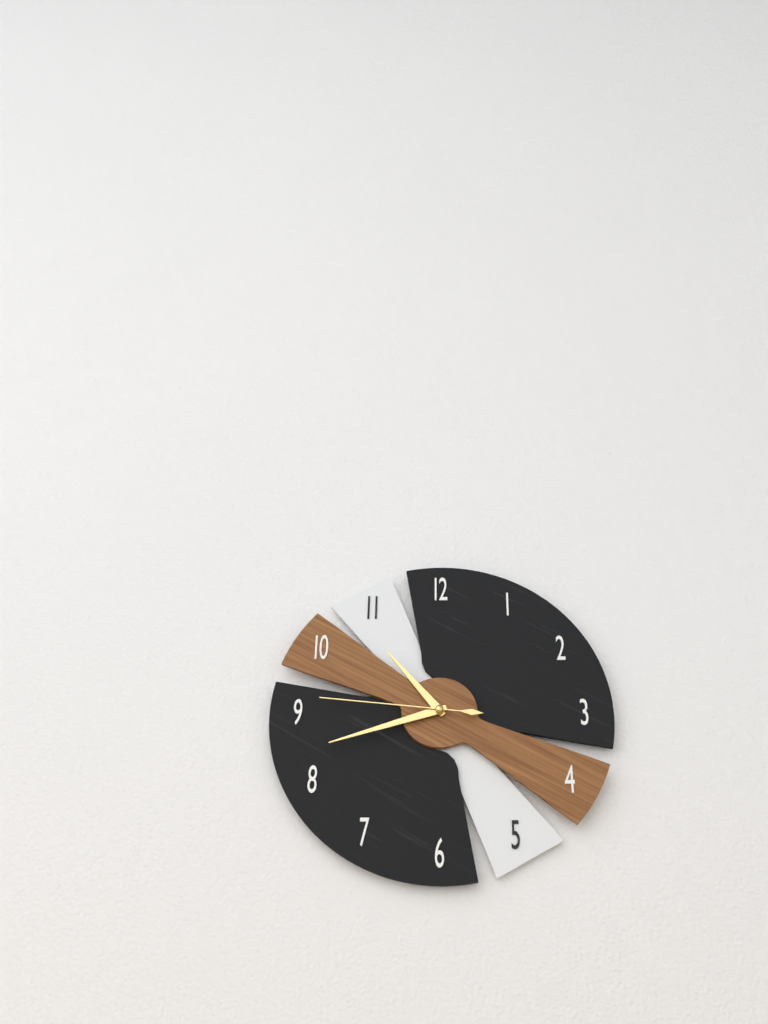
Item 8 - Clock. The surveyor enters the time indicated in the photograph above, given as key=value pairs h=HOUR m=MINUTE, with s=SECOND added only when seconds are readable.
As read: h=10 m=42 s=46
